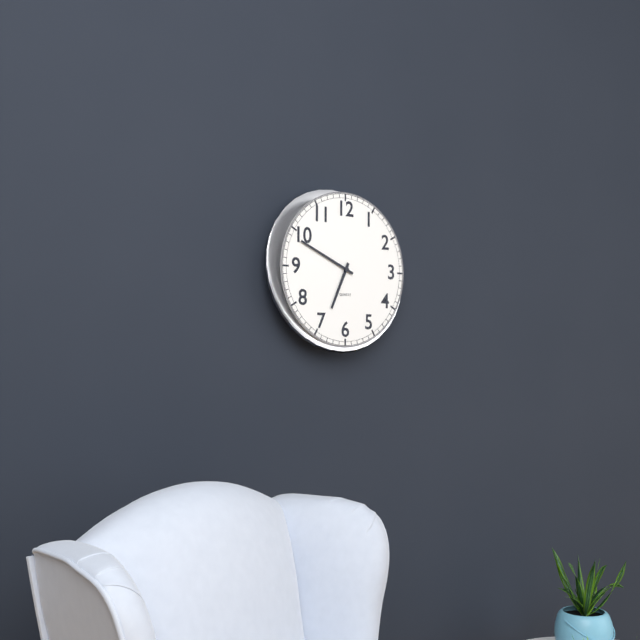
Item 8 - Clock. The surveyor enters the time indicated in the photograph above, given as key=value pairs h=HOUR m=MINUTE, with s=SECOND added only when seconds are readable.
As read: h=6 m=49
